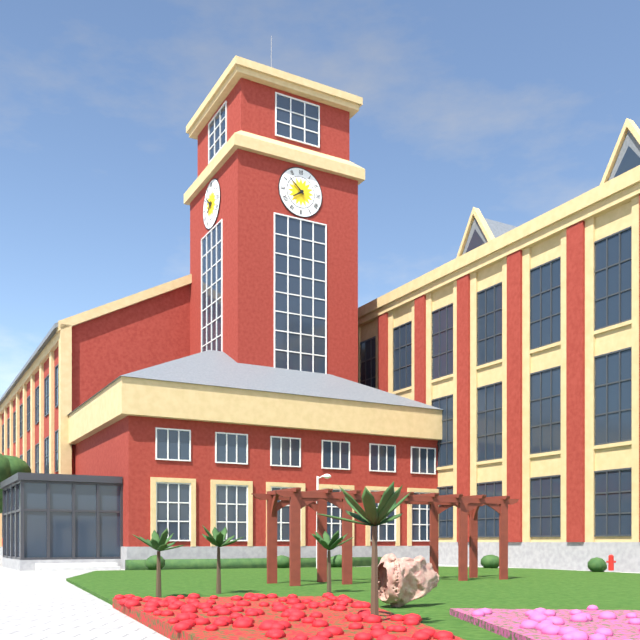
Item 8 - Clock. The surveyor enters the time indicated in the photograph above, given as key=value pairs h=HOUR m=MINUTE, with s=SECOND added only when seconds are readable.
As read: h=7 m=52
